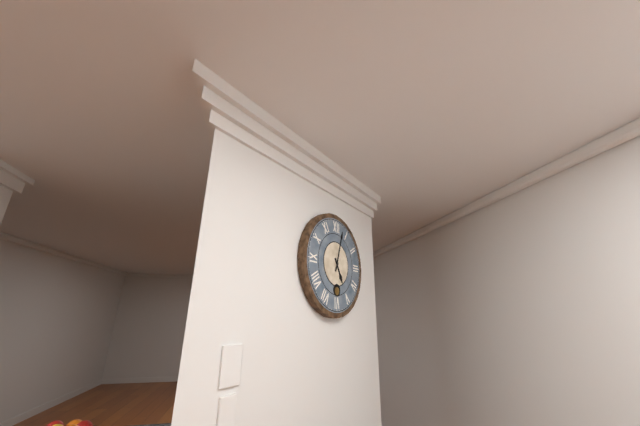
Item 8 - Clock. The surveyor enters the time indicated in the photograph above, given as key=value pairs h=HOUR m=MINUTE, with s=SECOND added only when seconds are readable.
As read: h=5 m=3
